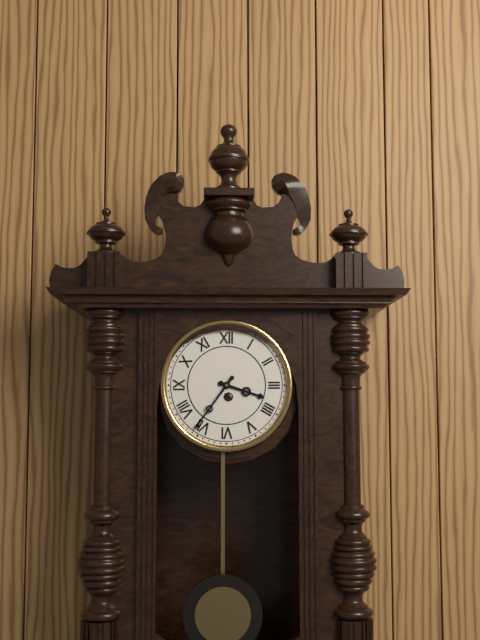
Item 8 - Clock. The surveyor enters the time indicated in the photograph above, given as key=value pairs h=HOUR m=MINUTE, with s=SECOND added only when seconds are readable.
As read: h=3 m=36
